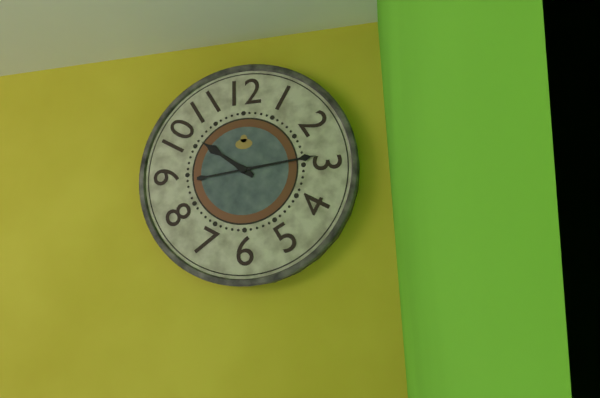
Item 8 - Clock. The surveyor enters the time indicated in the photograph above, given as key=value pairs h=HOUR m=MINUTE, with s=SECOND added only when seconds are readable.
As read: h=10 m=14
